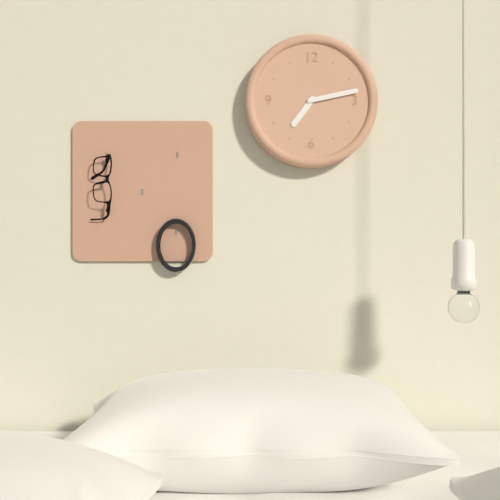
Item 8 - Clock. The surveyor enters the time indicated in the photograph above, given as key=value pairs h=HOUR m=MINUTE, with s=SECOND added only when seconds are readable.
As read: h=7 m=13
